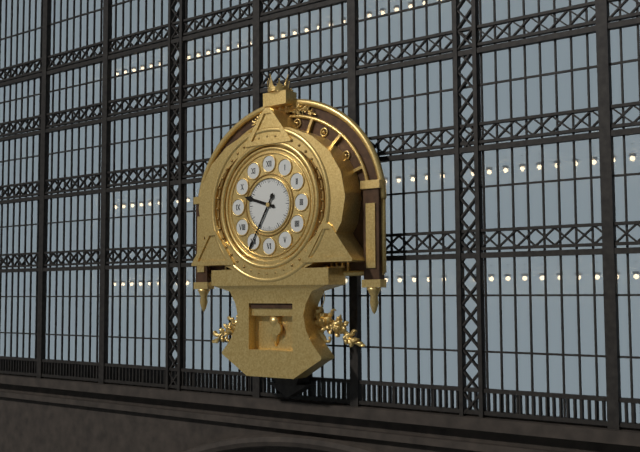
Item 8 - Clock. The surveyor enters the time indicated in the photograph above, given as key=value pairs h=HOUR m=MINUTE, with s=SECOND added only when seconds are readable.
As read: h=9 m=35
